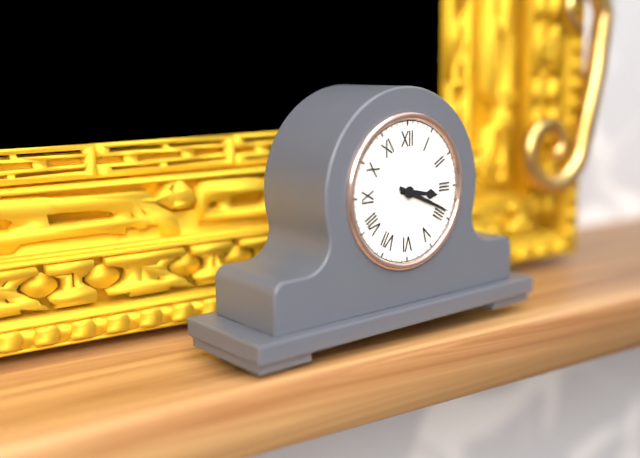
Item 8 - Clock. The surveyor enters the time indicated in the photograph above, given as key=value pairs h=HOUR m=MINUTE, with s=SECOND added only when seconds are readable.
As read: h=3 m=19
